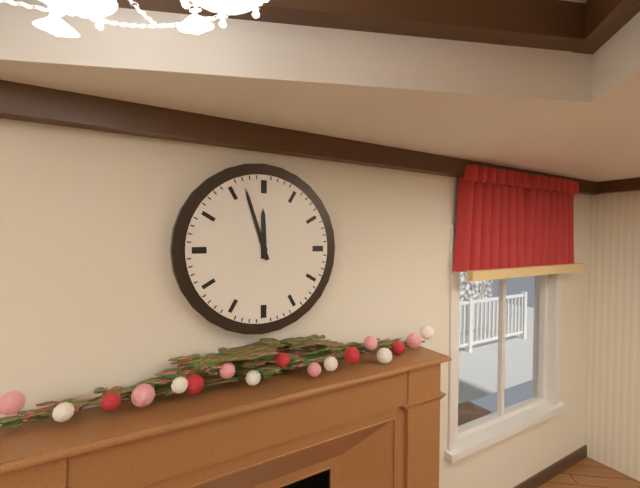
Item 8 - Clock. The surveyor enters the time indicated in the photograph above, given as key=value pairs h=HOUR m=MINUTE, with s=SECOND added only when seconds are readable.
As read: h=11 m=57
